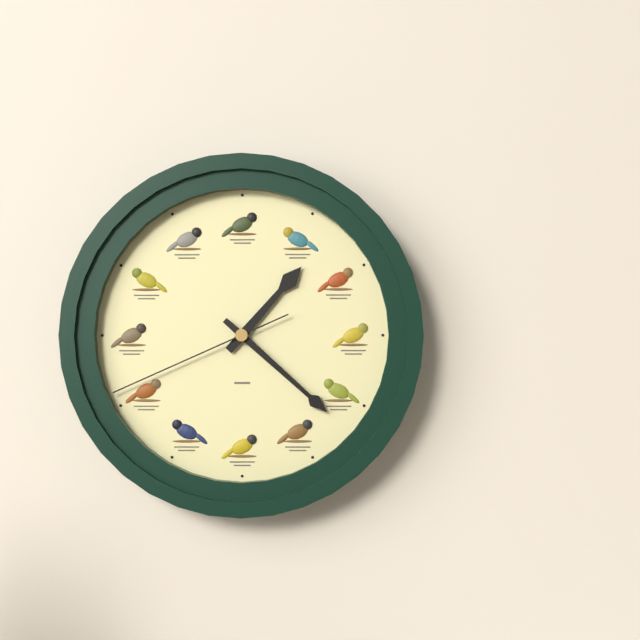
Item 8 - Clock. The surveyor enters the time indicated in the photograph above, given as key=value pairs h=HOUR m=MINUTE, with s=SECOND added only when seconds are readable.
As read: h=1 m=22 s=41
